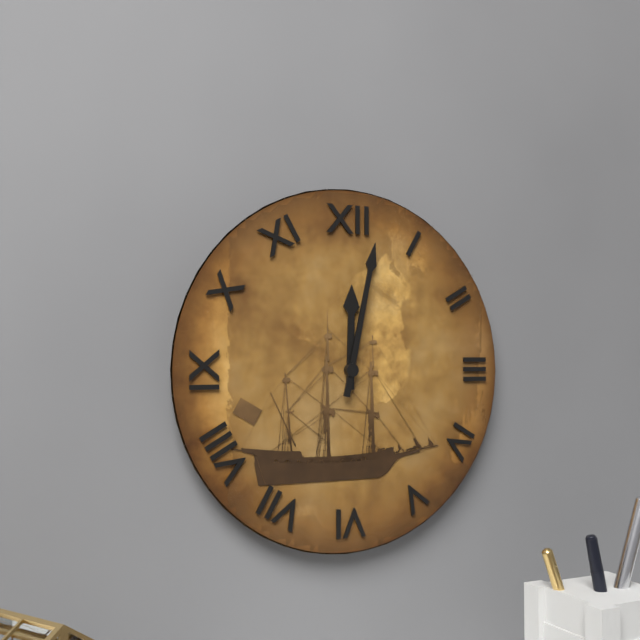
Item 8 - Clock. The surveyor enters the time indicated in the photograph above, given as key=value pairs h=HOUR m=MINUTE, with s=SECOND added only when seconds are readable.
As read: h=12 m=2
